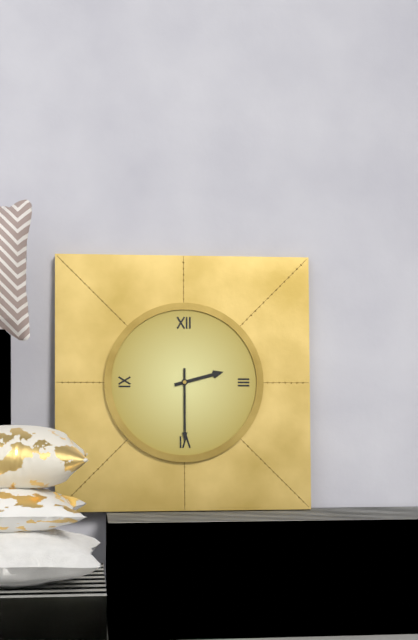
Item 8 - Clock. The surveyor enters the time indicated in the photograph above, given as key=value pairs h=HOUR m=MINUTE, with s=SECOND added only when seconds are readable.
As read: h=2 m=30
